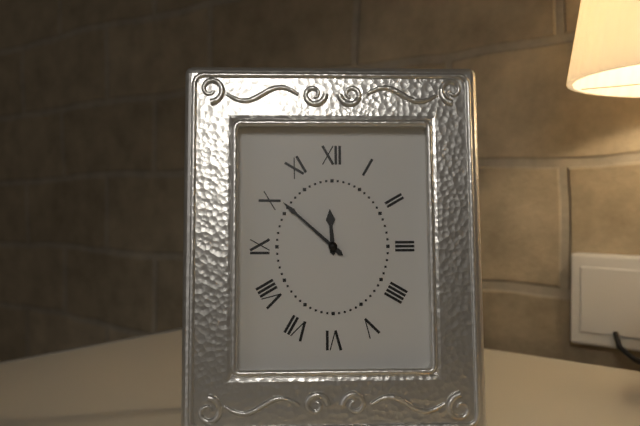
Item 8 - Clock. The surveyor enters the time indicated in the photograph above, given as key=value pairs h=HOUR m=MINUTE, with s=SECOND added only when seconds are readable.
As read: h=11 m=52
